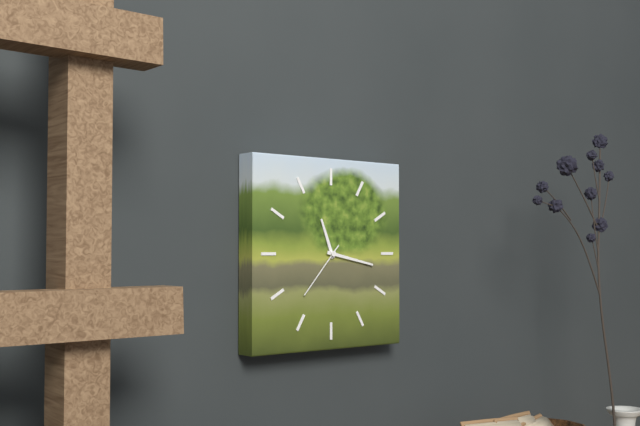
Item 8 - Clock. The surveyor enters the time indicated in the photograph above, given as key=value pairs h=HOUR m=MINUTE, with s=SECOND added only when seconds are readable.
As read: h=11 m=17 s=37
